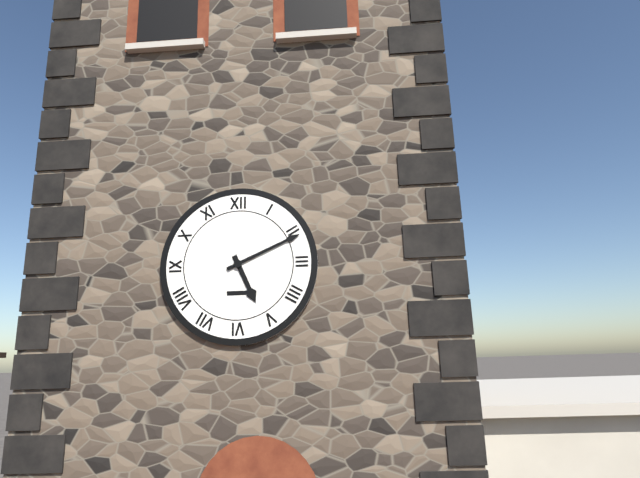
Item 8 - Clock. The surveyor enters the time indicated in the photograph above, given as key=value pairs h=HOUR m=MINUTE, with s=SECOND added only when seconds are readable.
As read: h=5 m=11
